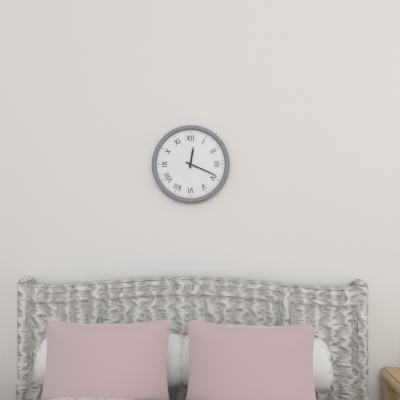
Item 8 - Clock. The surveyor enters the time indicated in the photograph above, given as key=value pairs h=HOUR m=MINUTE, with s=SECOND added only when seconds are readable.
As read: h=12 m=19
